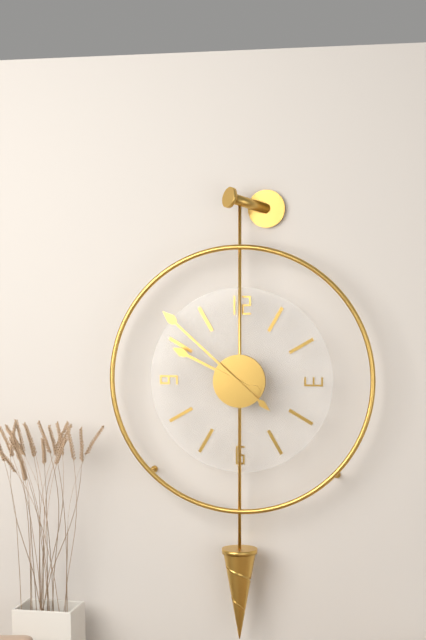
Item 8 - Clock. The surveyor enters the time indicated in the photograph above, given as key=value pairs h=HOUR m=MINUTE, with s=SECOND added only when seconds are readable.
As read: h=9 m=52
